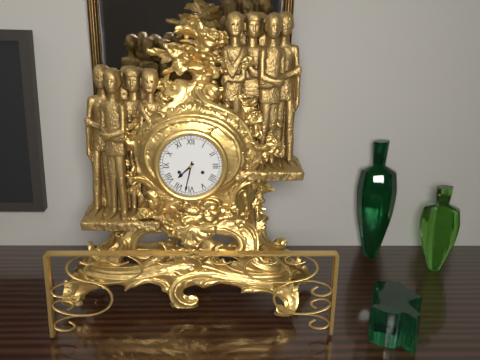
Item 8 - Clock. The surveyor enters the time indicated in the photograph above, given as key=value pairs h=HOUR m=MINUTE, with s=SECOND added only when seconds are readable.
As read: h=7 m=32
